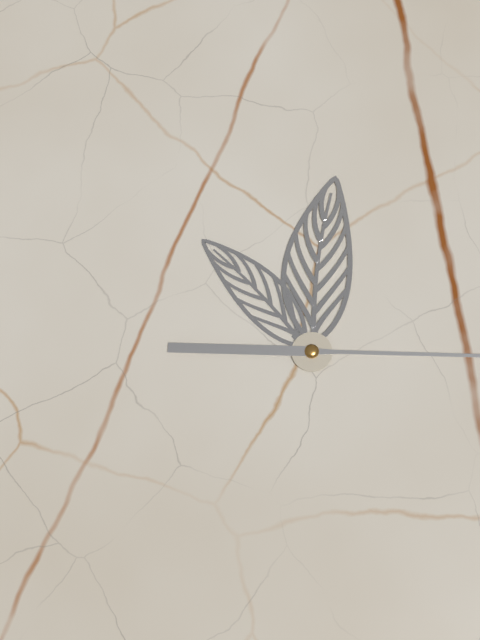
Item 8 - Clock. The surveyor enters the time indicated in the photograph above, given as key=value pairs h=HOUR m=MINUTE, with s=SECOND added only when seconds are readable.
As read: h=4 m=31
